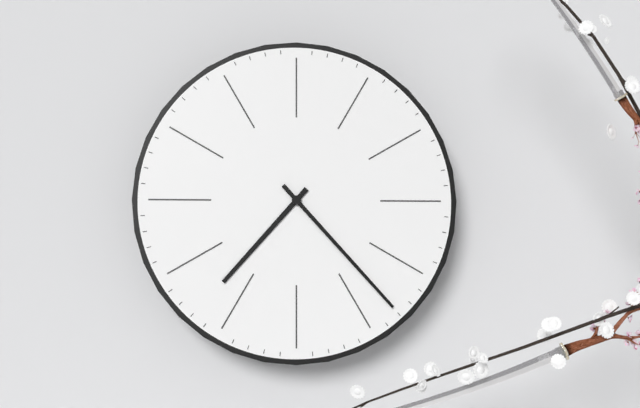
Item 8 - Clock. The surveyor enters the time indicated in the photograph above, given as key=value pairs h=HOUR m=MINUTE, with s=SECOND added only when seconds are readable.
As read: h=7 m=23
